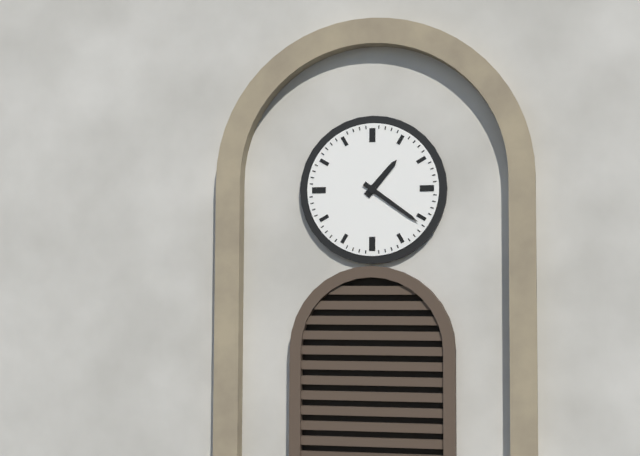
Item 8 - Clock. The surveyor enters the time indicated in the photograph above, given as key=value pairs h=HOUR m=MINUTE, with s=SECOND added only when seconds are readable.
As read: h=1 m=21
